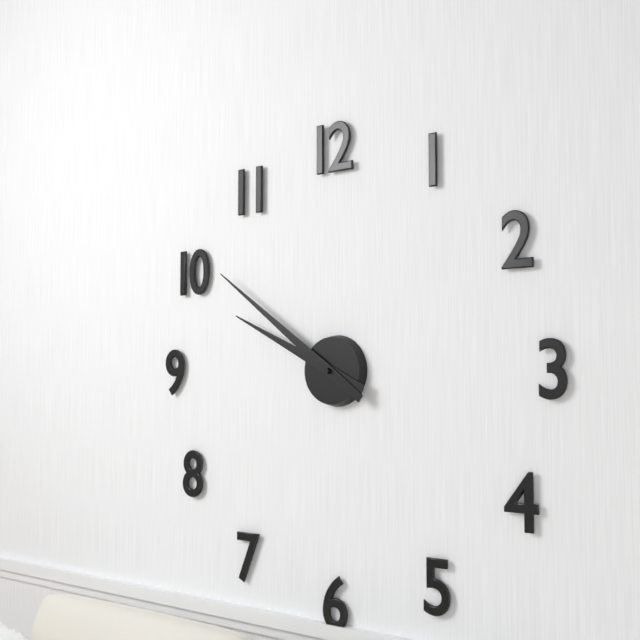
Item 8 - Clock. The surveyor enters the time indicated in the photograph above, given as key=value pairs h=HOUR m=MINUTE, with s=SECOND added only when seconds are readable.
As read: h=9 m=51
